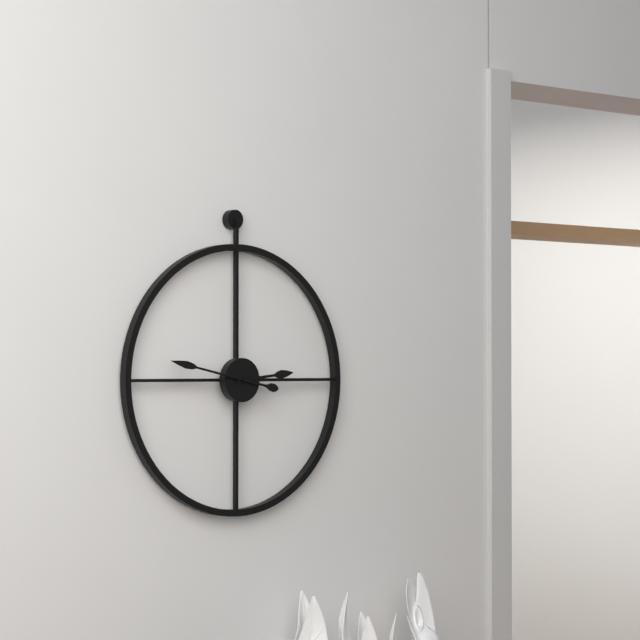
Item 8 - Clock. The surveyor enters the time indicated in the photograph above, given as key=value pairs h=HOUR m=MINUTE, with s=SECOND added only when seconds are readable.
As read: h=2 m=47
